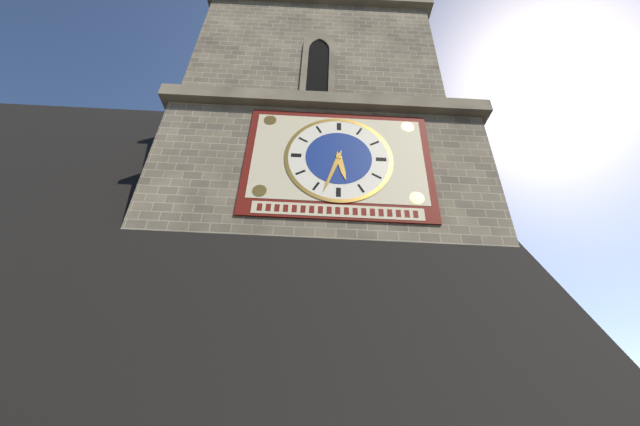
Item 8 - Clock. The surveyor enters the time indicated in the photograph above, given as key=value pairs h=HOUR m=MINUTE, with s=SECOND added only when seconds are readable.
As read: h=5 m=33
